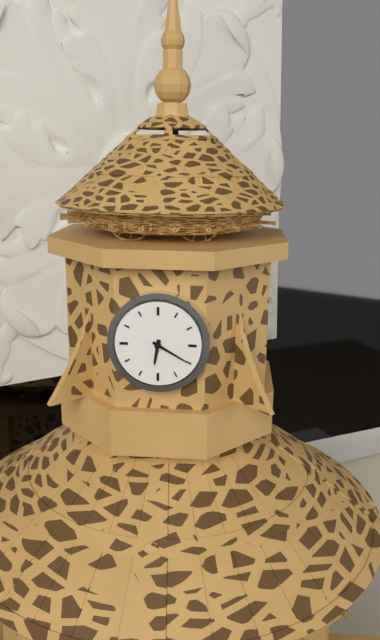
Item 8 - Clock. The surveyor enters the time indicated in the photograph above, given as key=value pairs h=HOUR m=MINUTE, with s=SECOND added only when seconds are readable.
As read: h=6 m=20
